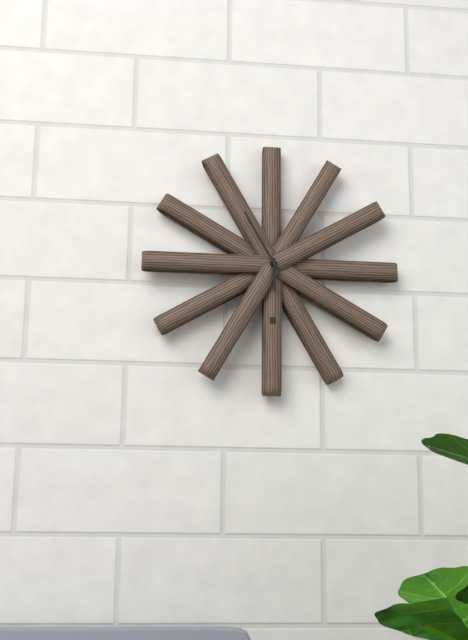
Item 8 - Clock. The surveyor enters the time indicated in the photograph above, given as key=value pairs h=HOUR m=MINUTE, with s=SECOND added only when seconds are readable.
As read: h=5 m=55
